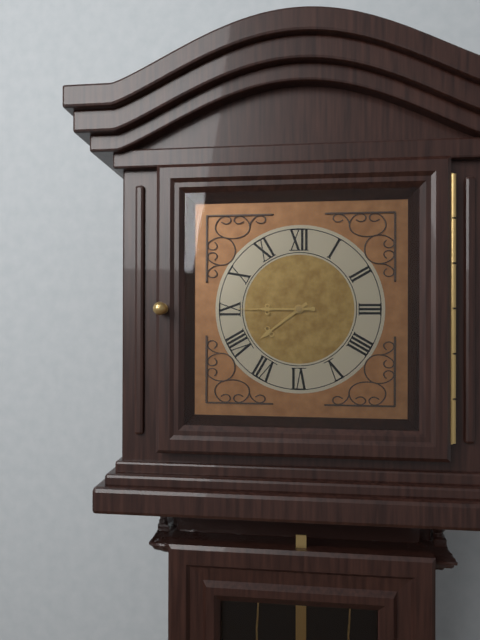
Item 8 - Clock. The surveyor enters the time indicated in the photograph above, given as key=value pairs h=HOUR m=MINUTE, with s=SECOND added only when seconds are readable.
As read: h=7 m=45
